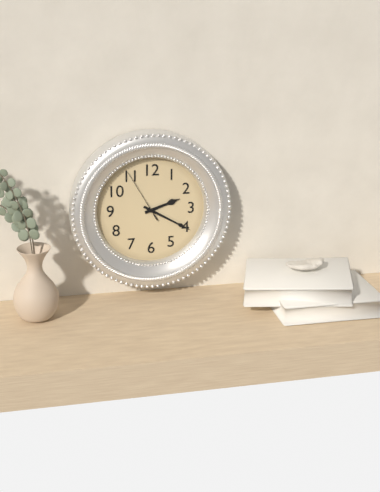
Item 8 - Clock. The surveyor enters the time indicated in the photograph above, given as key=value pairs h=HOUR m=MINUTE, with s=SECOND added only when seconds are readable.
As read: h=2 m=20 s=55
